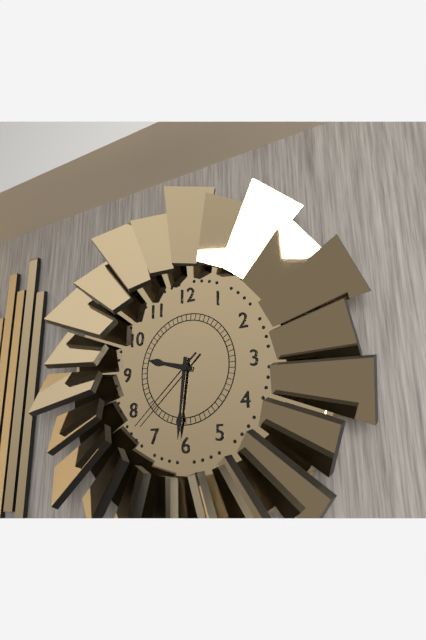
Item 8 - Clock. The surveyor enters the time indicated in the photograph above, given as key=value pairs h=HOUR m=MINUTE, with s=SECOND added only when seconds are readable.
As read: h=9 m=31 s=38
